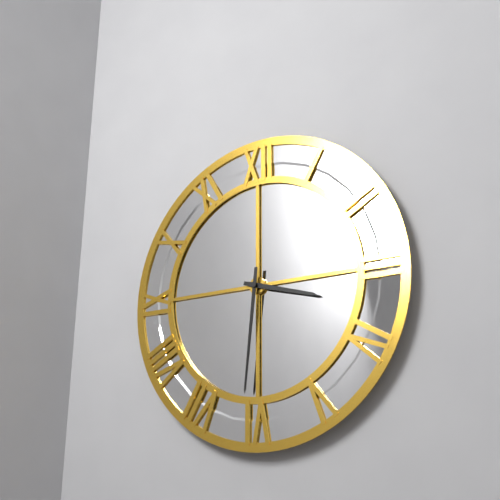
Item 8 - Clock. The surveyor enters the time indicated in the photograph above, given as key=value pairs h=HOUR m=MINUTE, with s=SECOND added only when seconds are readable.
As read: h=3 m=31
